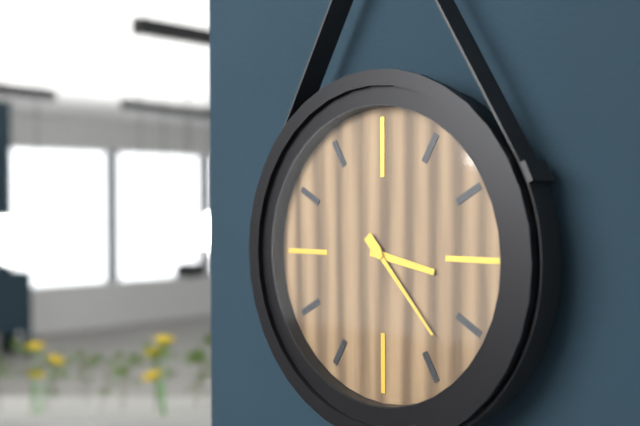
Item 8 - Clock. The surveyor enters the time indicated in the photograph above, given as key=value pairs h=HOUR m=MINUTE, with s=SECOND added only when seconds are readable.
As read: h=3 m=23
